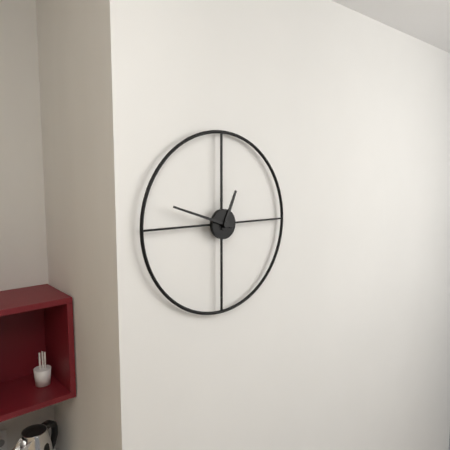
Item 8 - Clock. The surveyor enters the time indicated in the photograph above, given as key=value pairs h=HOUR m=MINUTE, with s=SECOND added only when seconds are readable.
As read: h=12 m=48
